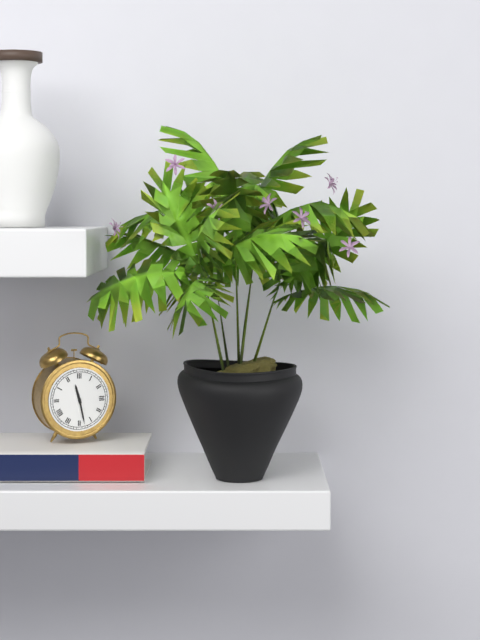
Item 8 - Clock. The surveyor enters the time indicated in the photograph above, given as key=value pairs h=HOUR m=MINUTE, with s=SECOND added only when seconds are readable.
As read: h=11 m=28
